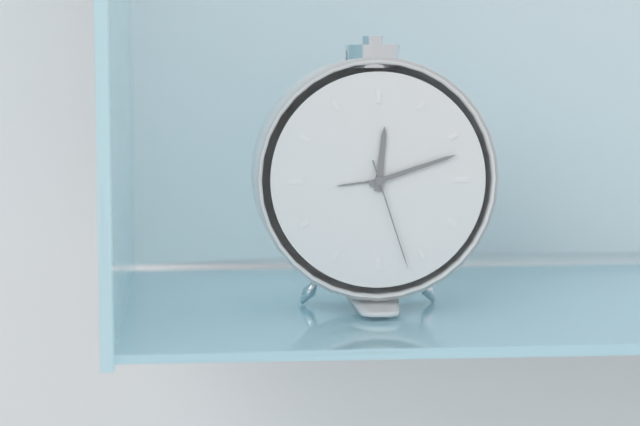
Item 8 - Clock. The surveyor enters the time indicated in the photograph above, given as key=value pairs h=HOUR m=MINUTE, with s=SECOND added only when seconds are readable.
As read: h=12 m=12 s=27
